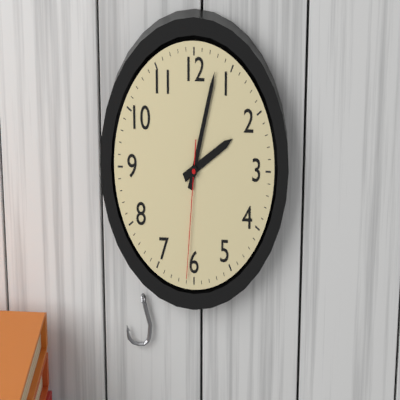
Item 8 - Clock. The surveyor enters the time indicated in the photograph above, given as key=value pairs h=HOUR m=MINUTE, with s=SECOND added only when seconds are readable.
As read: h=2 m=3 s=31
